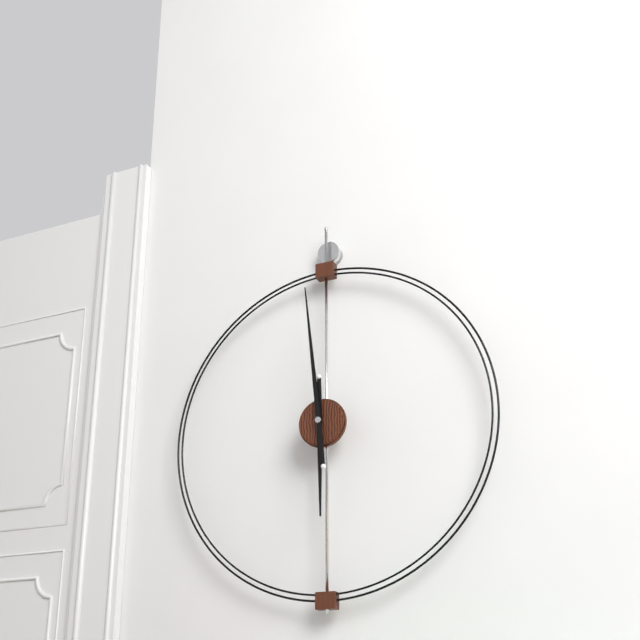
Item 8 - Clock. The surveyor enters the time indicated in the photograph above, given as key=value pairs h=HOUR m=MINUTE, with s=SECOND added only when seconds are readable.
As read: h=5 m=59
